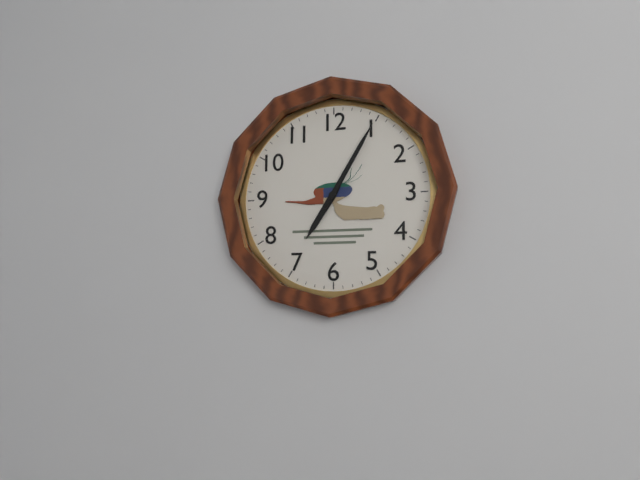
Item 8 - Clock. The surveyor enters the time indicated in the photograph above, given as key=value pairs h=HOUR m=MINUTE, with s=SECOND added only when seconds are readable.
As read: h=7 m=5
